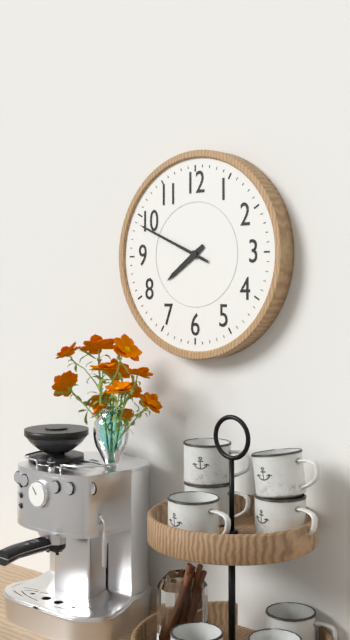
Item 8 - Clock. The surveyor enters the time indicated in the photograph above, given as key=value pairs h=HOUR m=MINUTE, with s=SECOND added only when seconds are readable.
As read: h=7 m=49
